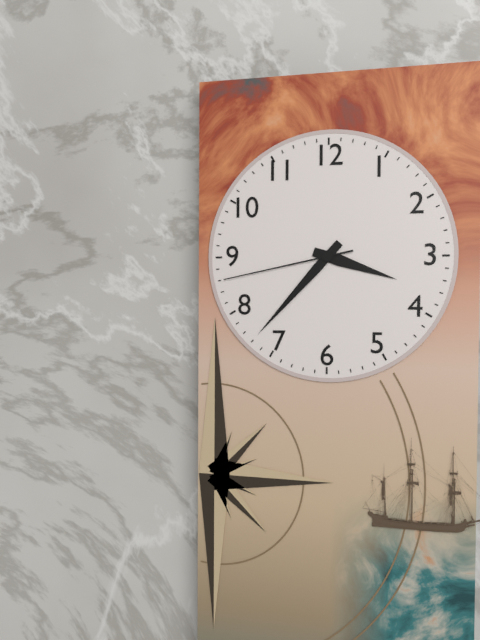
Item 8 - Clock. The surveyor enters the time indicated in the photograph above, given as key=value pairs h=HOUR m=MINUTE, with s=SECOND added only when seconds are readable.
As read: h=3 m=37 s=43
